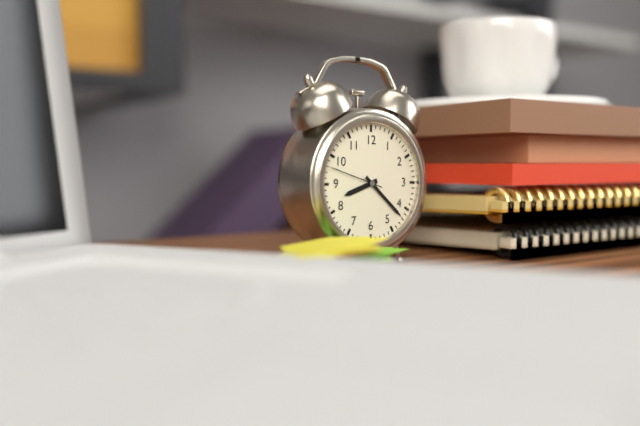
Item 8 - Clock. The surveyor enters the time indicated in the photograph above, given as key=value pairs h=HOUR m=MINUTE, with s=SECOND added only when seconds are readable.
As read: h=8 m=22 s=48
